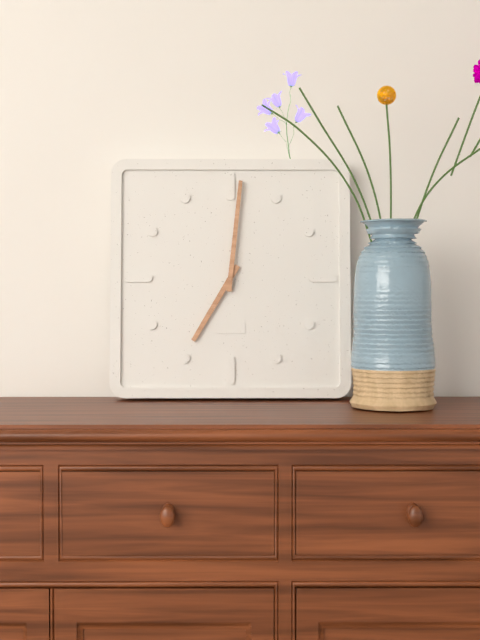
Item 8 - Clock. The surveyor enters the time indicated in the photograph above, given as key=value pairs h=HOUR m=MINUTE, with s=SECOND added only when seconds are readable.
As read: h=7 m=1
